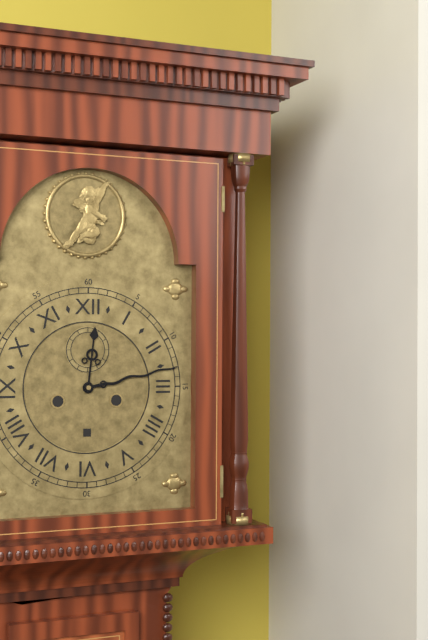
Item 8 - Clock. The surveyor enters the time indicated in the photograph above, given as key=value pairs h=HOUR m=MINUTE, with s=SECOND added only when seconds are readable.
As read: h=12 m=13
